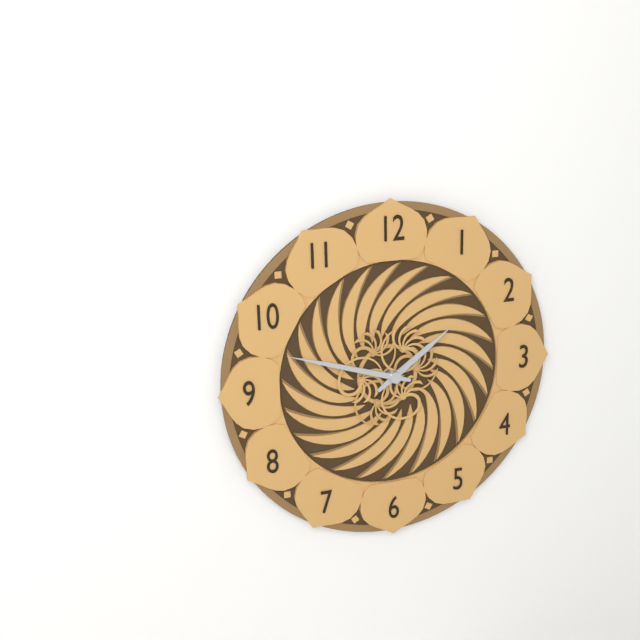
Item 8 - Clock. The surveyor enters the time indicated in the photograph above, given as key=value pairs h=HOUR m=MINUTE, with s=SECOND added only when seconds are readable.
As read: h=1 m=48
